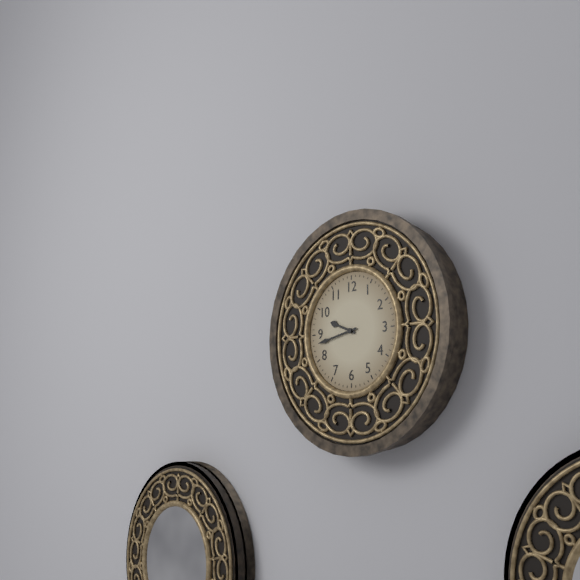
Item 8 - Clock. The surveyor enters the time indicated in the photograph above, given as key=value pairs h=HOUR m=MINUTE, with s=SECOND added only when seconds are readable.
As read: h=9 m=43
